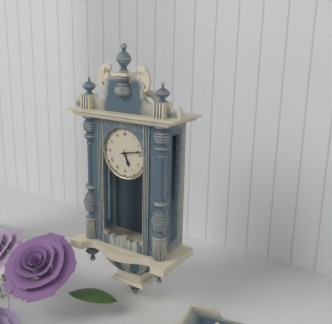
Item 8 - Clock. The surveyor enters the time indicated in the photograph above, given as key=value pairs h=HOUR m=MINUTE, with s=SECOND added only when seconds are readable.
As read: h=5 m=13
